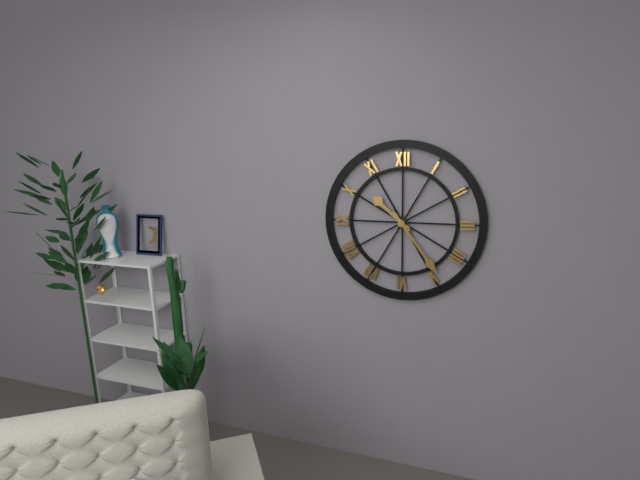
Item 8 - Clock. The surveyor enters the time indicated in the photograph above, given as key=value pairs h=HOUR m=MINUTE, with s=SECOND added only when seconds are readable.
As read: h=10 m=24
